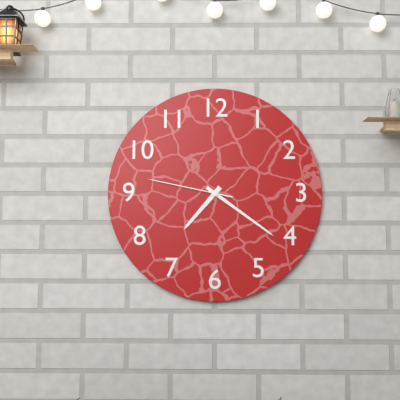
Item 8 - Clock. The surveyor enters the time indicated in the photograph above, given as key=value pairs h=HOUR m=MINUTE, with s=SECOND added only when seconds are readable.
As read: h=7 m=21 s=47
